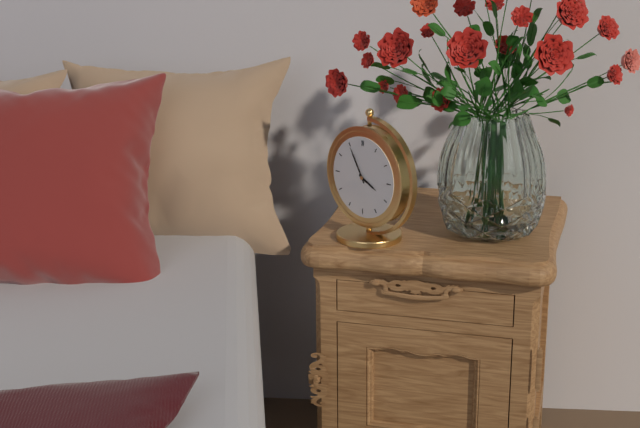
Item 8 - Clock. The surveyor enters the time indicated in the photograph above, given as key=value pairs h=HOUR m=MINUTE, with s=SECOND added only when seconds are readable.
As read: h=3 m=55
